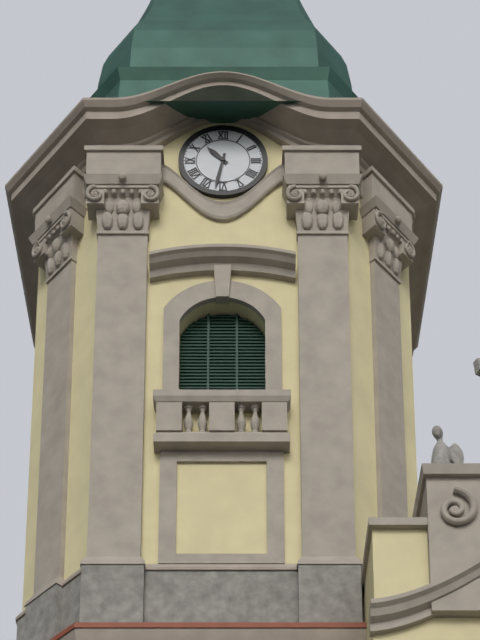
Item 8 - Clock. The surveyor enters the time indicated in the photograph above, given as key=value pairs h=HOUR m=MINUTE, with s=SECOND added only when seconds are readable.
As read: h=10 m=32
